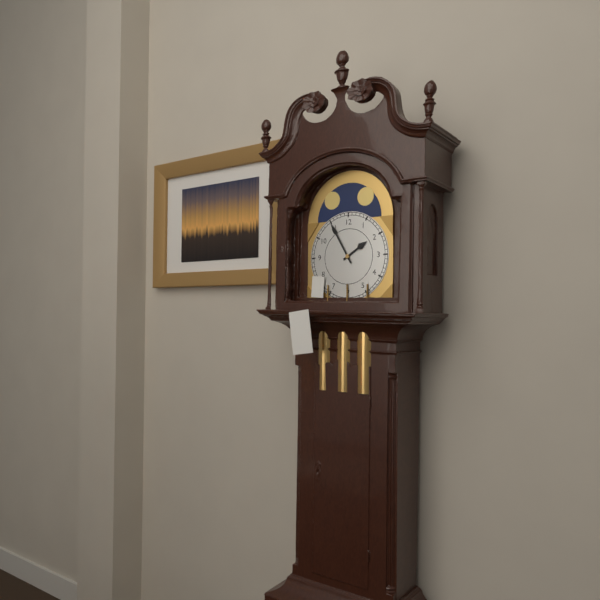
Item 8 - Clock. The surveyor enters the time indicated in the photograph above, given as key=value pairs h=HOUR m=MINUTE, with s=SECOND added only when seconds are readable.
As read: h=1 m=55
